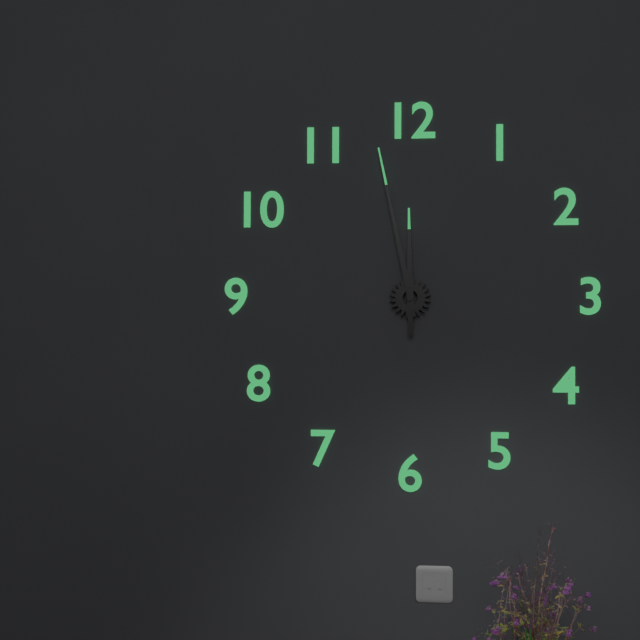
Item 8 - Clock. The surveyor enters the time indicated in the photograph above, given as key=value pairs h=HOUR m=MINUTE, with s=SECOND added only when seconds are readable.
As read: h=11 m=58
